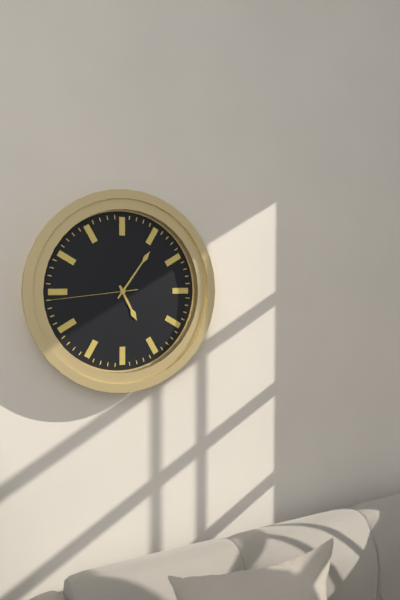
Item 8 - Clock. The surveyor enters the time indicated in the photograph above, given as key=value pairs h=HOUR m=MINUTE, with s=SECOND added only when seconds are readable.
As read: h=5 m=6 s=44
